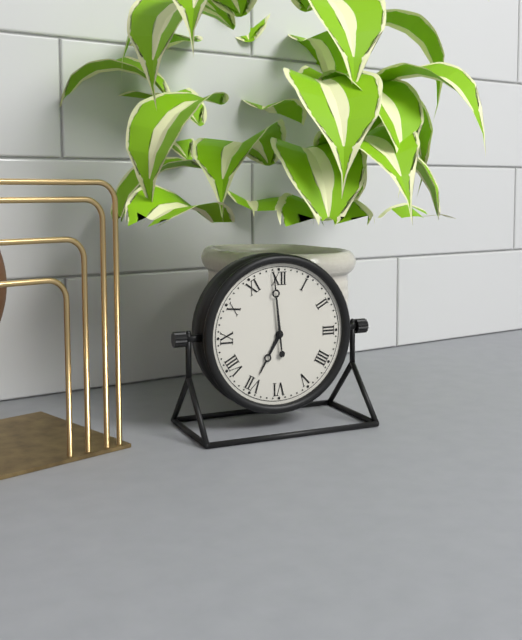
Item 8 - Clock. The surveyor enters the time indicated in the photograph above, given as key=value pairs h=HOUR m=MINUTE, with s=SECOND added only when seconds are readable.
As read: h=6 m=59
